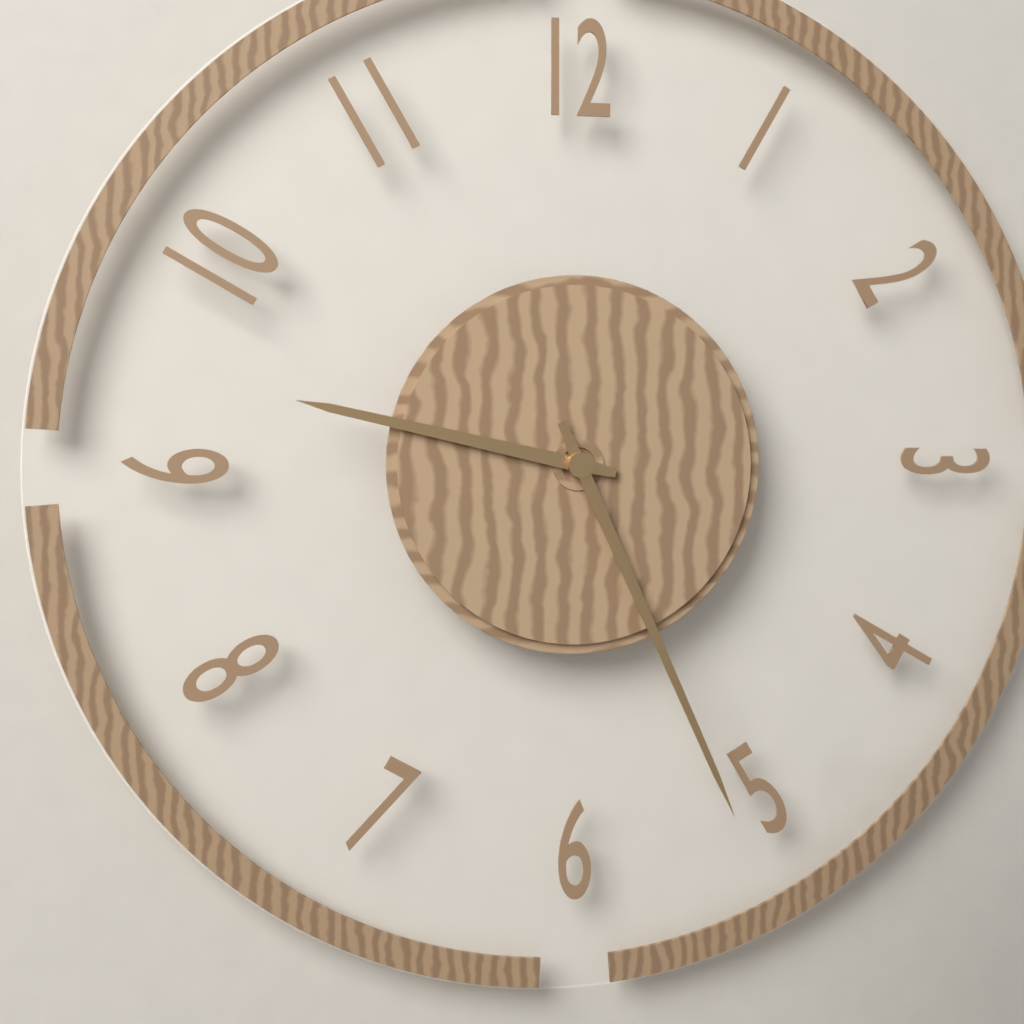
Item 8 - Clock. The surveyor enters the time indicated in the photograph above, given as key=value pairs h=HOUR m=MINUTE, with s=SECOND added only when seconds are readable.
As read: h=9 m=26
